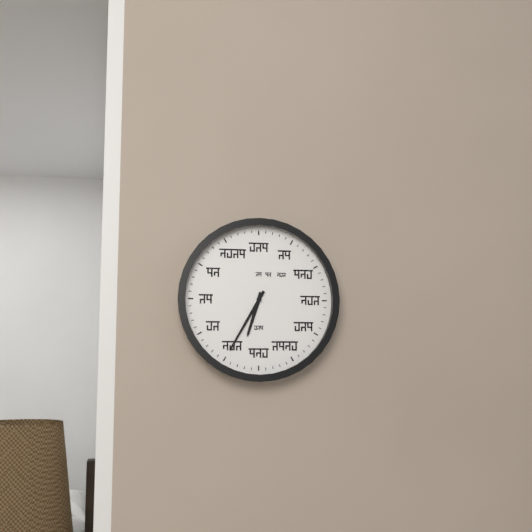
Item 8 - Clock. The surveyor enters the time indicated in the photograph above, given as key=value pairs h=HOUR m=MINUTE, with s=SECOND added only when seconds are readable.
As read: h=6 m=35
